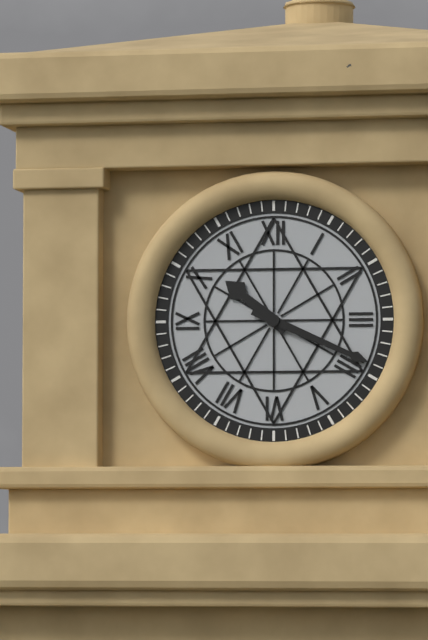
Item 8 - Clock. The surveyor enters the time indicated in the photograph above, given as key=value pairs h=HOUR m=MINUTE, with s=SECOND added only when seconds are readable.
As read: h=10 m=19
